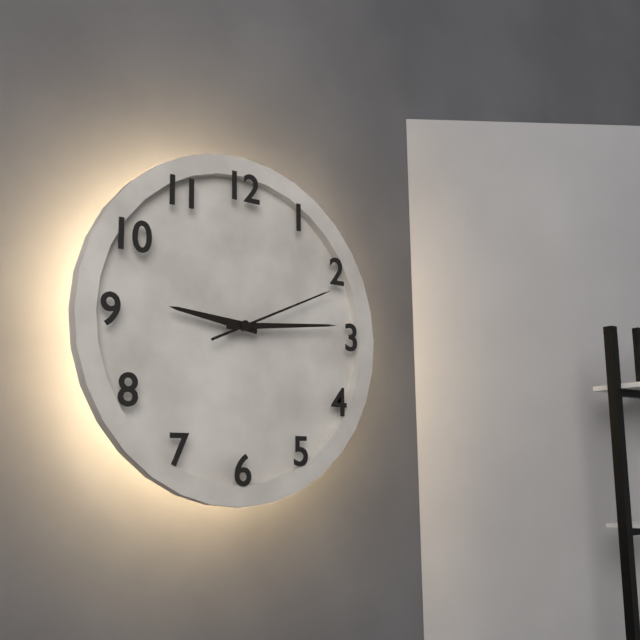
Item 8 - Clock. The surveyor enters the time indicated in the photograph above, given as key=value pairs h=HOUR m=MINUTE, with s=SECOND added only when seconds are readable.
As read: h=9 m=14 s=11
